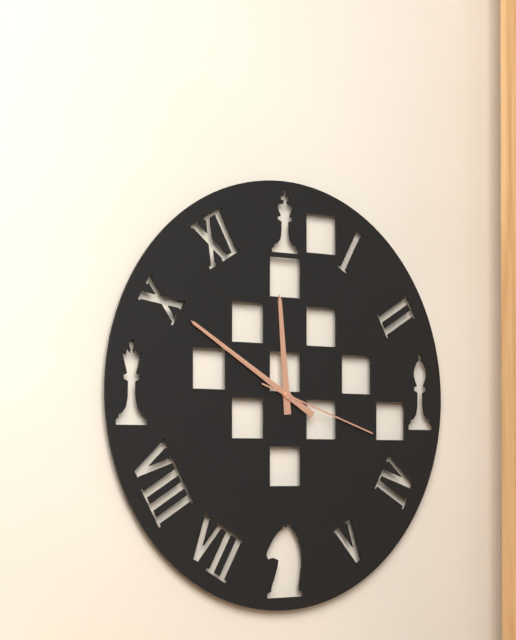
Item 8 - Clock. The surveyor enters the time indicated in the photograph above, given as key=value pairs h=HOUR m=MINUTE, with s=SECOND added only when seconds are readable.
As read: h=11 m=50 s=18
